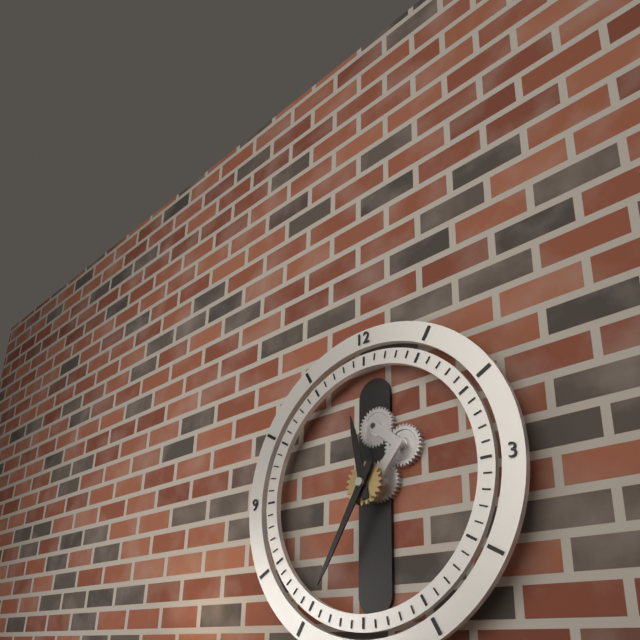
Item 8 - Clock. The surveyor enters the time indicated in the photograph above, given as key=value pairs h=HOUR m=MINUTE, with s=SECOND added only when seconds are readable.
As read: h=11 m=35
